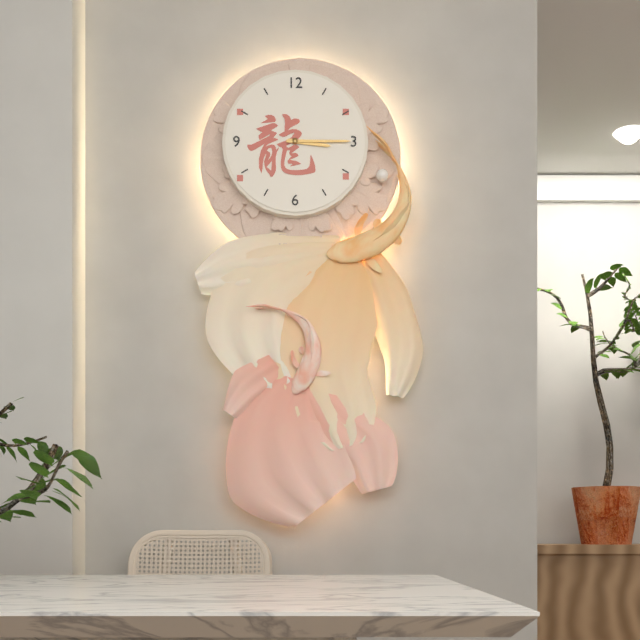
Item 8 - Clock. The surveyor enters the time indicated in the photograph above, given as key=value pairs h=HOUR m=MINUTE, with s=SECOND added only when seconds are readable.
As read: h=3 m=15
